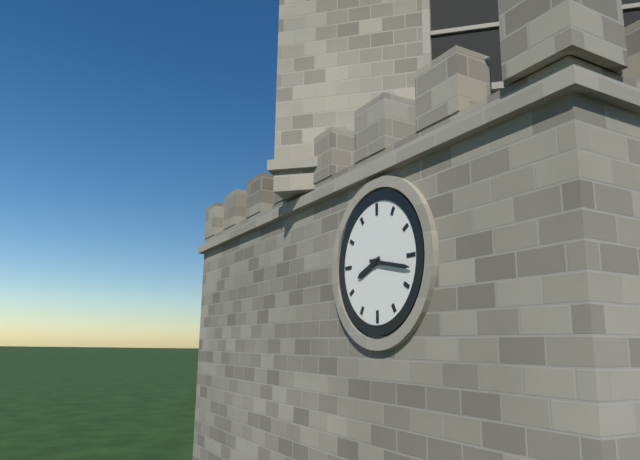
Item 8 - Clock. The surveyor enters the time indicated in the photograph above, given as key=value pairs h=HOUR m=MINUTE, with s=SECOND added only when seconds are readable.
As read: h=8 m=17
